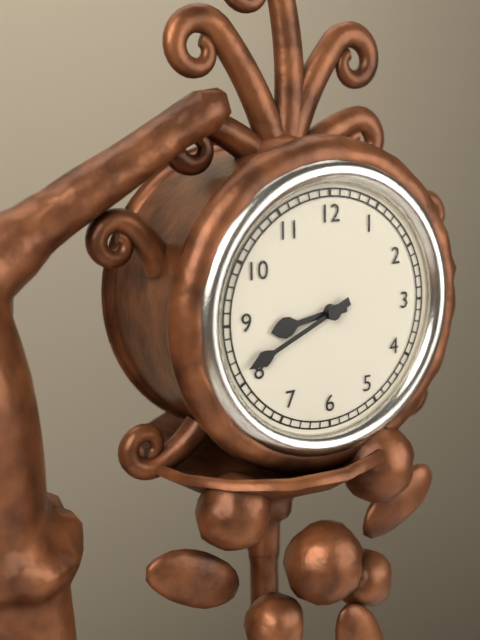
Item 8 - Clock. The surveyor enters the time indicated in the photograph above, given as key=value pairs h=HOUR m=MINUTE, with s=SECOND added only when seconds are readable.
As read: h=8 m=41
